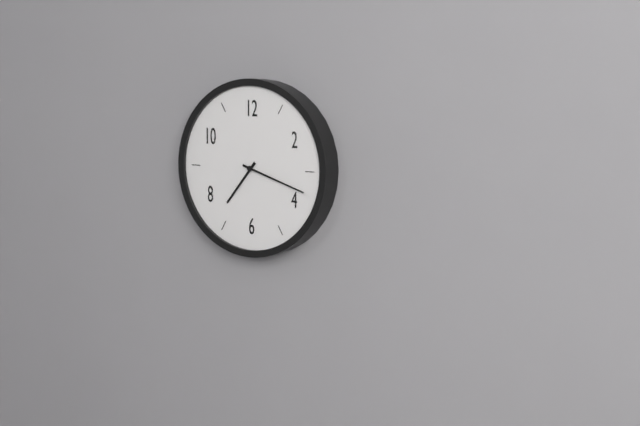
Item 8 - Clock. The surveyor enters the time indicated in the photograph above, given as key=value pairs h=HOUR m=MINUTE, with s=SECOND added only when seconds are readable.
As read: h=7 m=18
